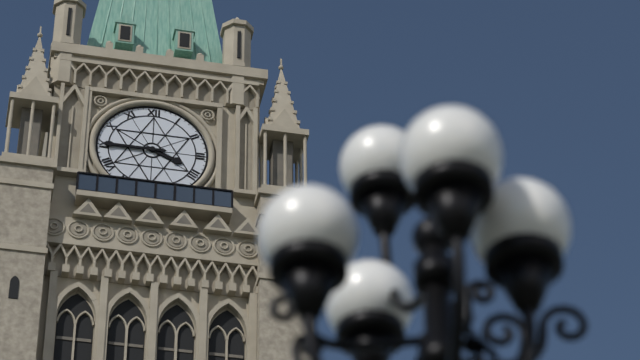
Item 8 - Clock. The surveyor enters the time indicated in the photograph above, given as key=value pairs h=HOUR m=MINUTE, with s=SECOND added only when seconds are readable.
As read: h=3 m=45
